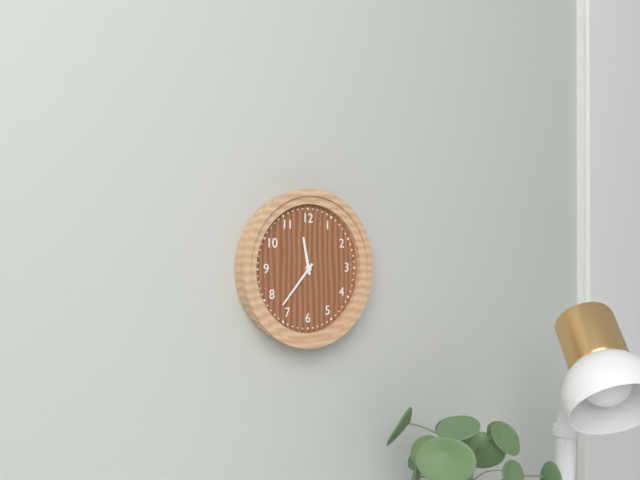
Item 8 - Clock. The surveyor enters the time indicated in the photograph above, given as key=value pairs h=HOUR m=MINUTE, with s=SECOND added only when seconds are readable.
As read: h=11 m=37
